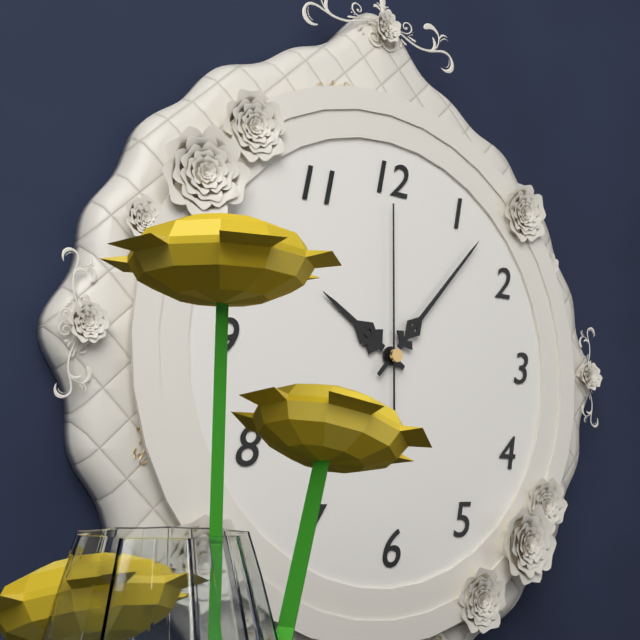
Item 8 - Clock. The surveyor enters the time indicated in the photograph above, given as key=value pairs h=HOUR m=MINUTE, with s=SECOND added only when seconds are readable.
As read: h=10 m=7 s=0
